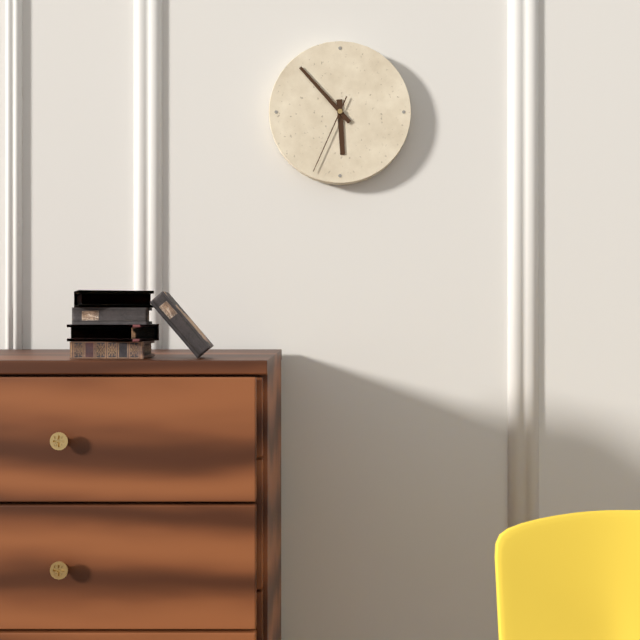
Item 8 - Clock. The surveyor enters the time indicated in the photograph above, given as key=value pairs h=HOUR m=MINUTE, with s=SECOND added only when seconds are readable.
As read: h=5 m=53 s=34
